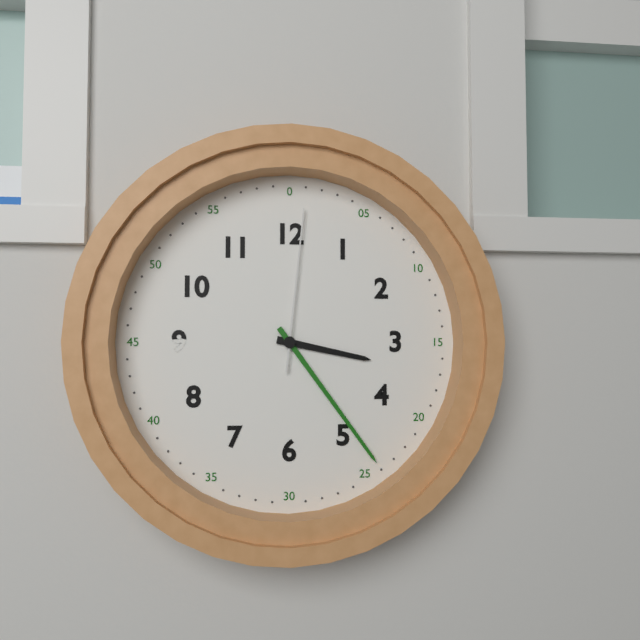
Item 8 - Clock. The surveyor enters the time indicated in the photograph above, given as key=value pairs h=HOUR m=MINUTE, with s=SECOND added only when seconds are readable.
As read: h=3 m=24 s=1
